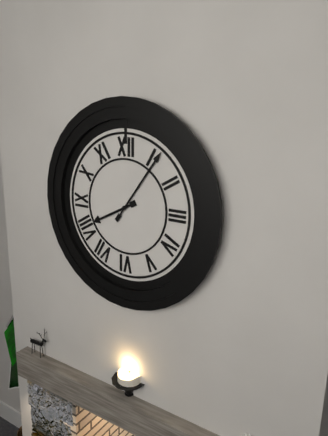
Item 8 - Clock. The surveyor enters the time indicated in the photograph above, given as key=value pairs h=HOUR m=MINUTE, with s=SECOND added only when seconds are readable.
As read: h=8 m=6
